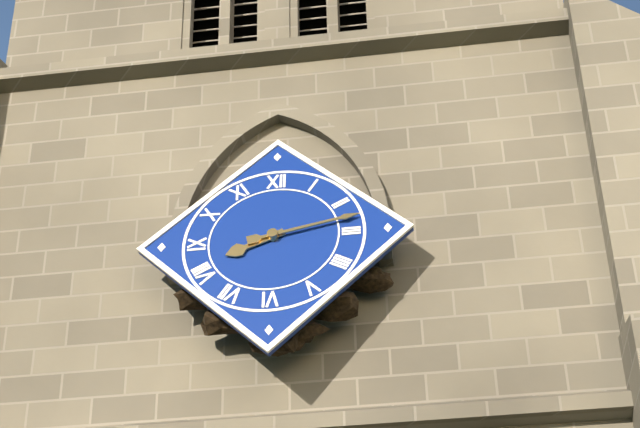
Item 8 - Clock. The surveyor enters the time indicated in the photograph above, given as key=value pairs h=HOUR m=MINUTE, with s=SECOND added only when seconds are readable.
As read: h=8 m=13
